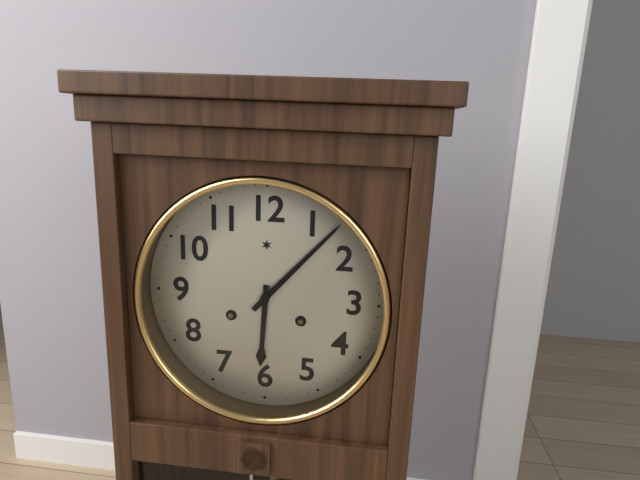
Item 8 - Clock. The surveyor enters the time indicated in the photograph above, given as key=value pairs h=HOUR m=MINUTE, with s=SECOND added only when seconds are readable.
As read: h=6 m=7
